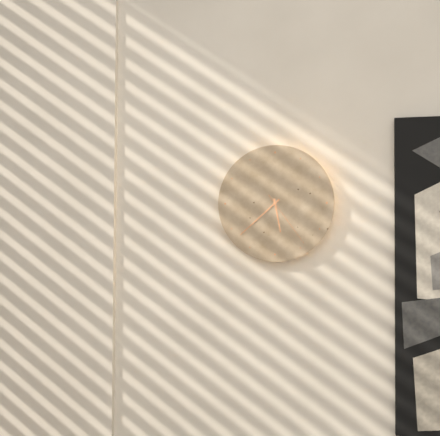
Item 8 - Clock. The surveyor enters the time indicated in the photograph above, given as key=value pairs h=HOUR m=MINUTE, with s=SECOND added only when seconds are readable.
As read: h=5 m=38 s=24
